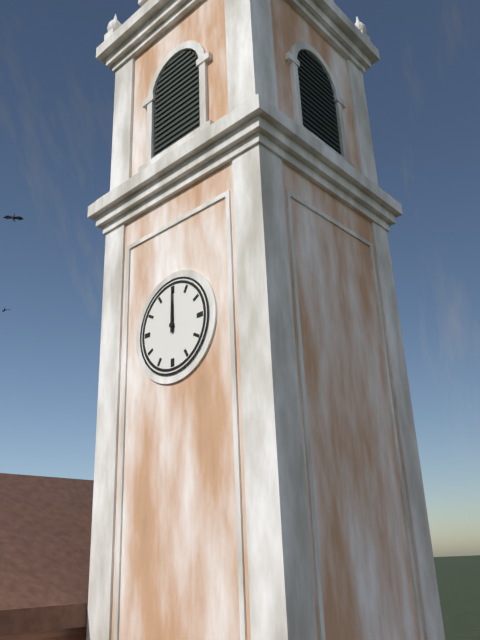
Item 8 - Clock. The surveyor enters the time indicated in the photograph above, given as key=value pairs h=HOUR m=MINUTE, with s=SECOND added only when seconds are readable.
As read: h=12 m=0
